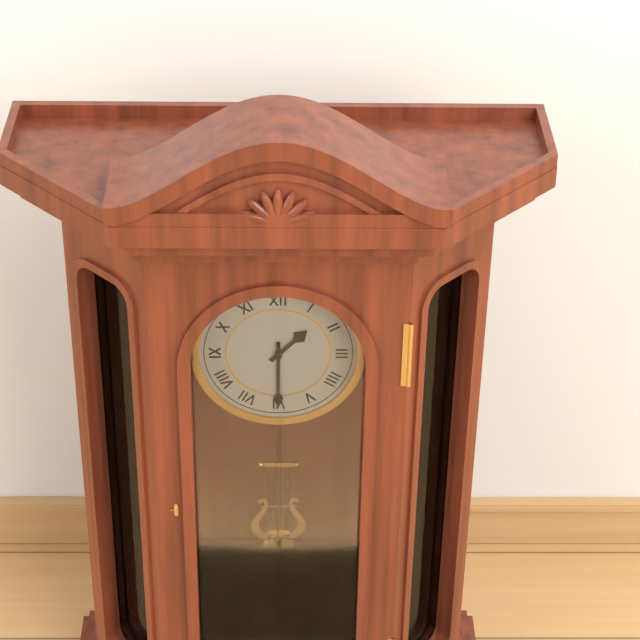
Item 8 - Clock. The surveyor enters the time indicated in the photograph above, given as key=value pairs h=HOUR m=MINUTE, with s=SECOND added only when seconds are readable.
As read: h=1 m=30
